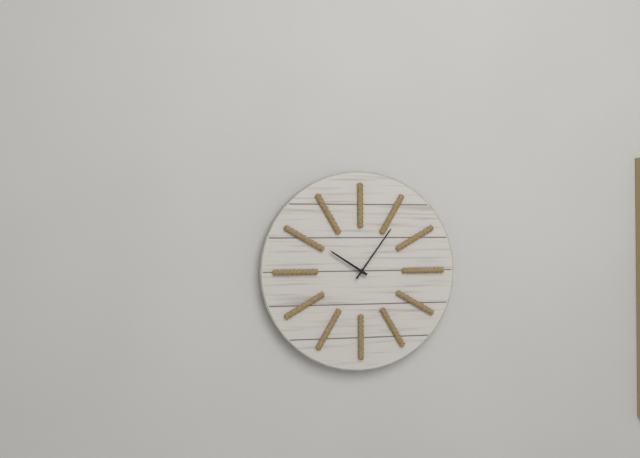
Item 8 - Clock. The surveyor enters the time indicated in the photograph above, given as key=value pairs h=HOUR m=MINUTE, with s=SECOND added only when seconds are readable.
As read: h=10 m=6
